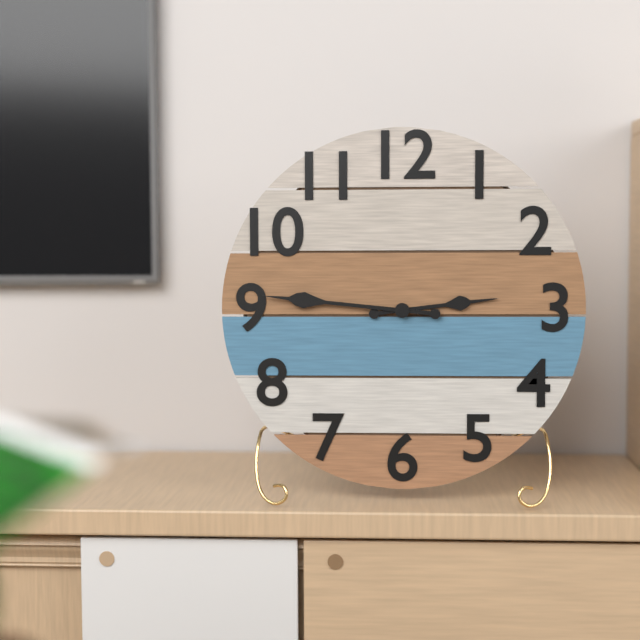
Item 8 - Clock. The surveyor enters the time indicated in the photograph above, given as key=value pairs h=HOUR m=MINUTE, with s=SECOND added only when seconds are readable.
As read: h=2 m=46
